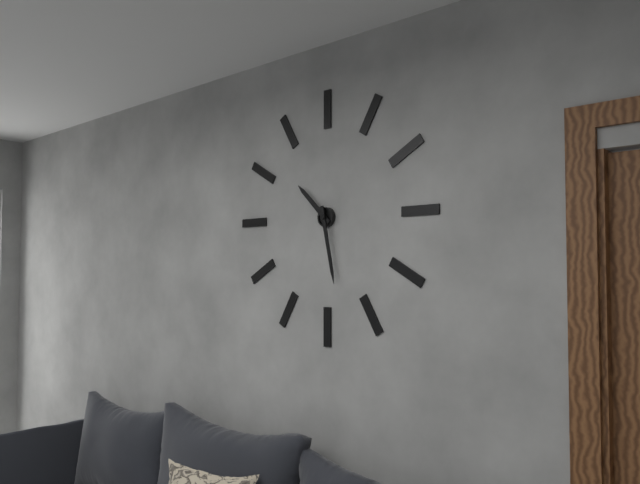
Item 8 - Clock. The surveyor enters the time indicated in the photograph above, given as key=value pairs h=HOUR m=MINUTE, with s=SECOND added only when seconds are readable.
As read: h=10 m=28
